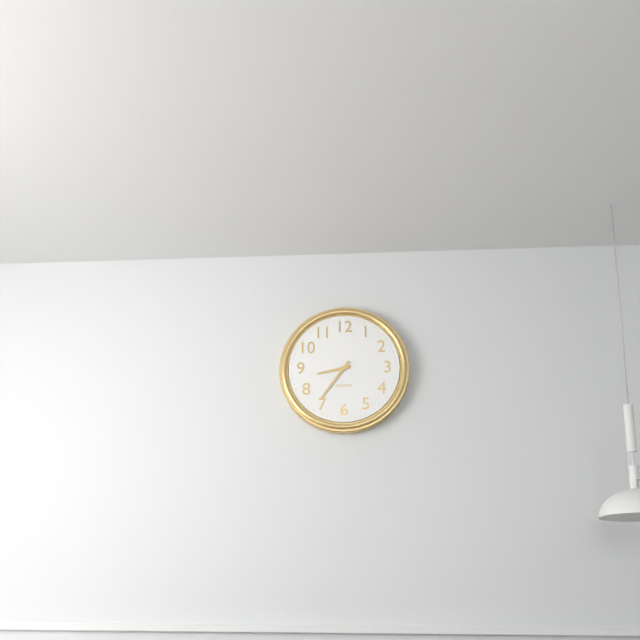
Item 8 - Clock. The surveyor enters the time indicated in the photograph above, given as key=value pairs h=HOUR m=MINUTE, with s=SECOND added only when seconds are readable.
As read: h=8 m=36
